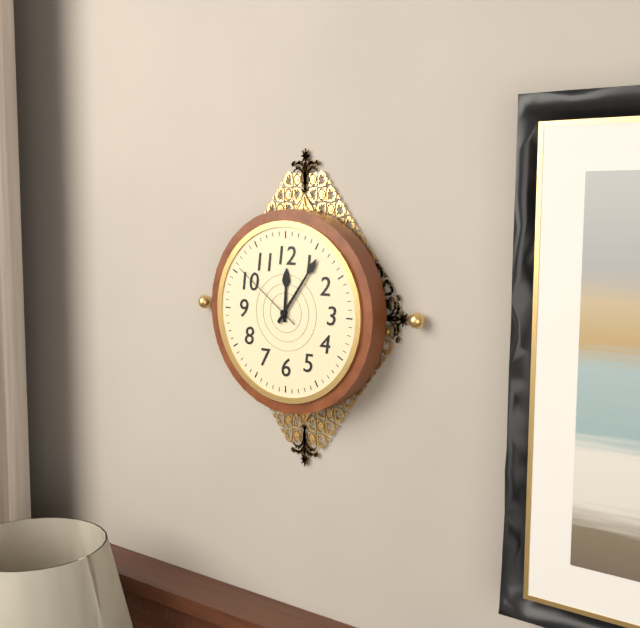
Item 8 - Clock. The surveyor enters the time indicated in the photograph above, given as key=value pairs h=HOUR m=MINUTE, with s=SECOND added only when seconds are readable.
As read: h=12 m=6 s=51
